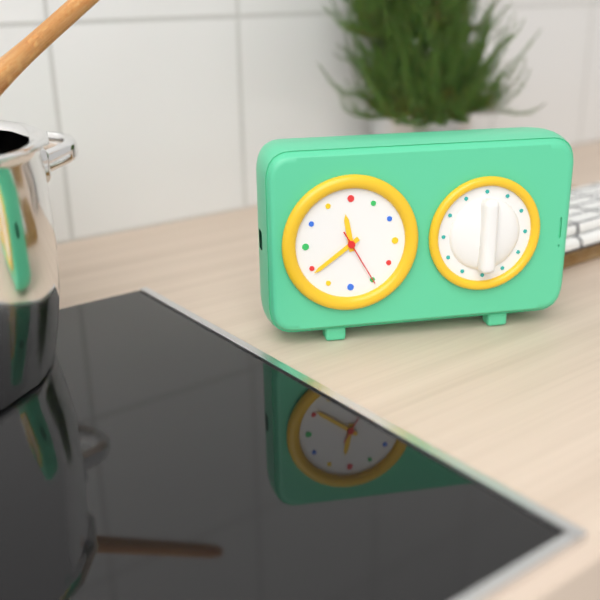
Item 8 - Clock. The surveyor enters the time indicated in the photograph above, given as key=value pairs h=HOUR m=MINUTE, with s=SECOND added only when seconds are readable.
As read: h=11 m=39 s=25
